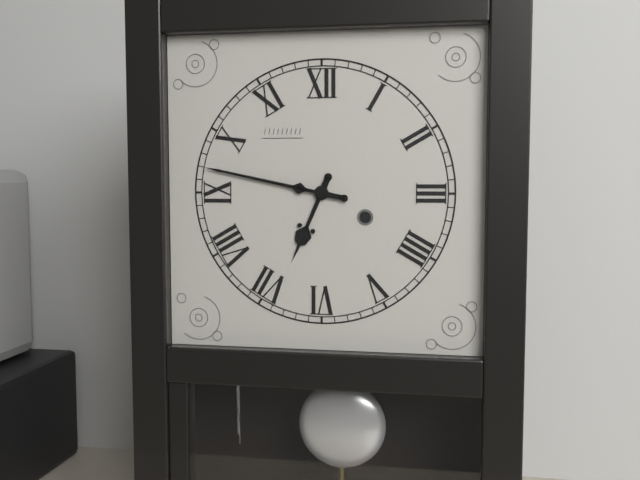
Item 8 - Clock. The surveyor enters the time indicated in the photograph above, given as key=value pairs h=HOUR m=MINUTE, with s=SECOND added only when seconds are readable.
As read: h=6 m=47
